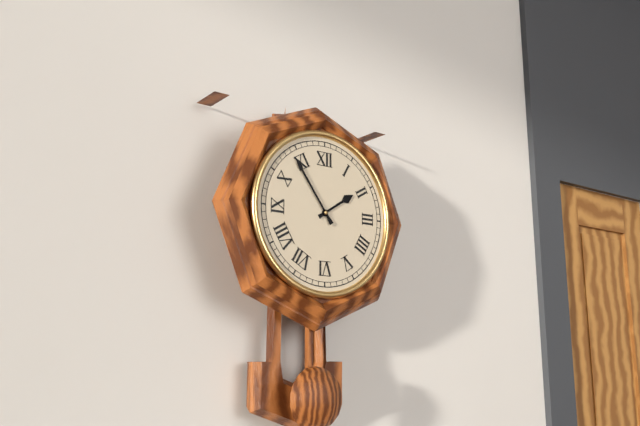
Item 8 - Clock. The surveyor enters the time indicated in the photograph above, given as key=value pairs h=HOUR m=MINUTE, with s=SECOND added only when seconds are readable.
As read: h=1 m=54
